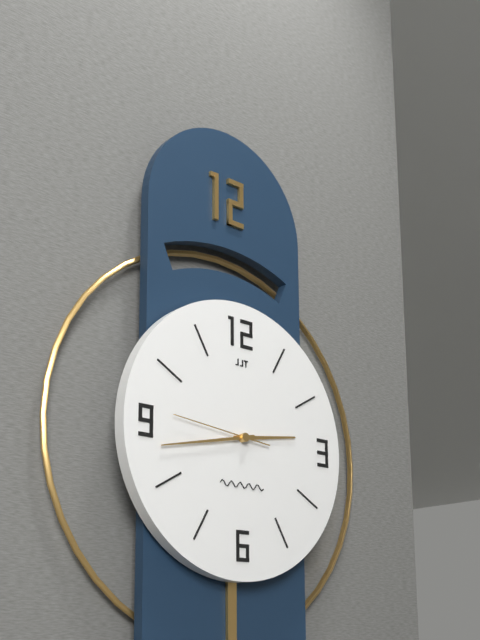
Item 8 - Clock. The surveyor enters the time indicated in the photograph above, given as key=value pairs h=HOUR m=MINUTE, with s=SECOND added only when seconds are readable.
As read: h=2 m=43 s=46
